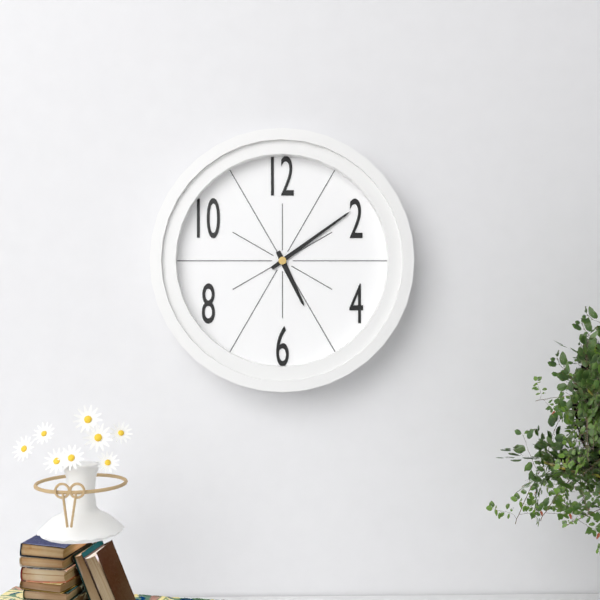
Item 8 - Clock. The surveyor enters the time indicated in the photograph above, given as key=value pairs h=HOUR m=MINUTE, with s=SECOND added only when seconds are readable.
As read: h=5 m=9
